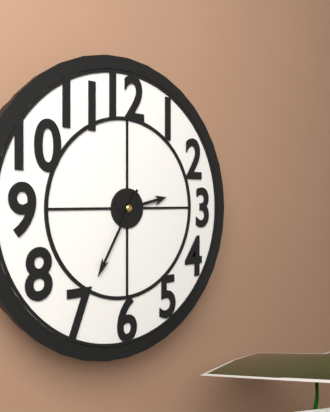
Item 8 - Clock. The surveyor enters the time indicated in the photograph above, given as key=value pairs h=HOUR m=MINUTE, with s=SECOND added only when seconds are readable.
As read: h=2 m=35
